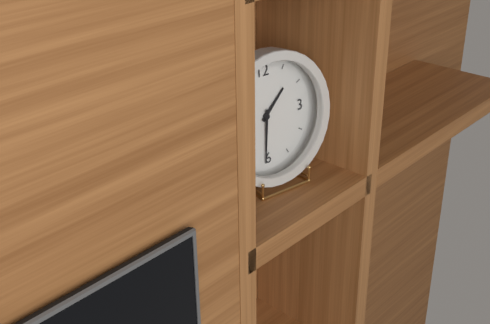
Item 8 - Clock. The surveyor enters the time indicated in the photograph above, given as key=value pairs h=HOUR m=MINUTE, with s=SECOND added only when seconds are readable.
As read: h=1 m=31
